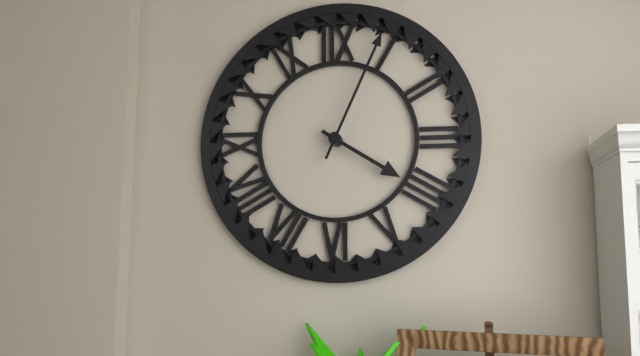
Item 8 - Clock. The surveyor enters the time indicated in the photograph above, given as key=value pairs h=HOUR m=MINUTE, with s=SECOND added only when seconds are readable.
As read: h=4 m=4
